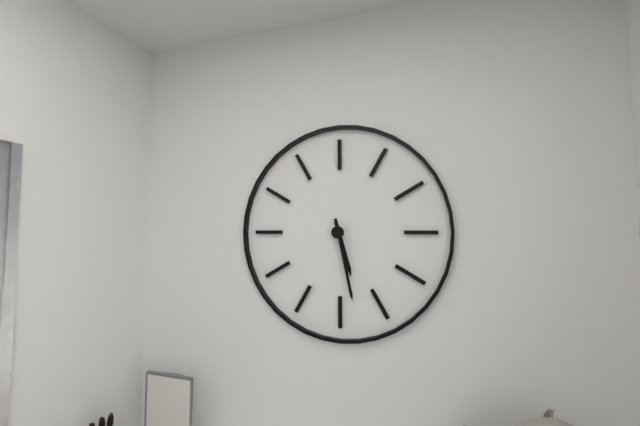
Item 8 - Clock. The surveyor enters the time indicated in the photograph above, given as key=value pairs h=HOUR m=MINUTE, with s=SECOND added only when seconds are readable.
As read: h=5 m=28
